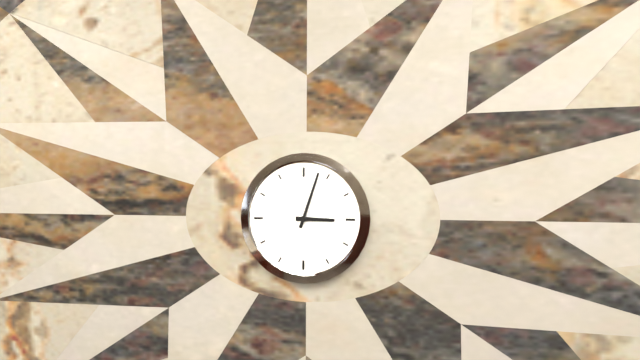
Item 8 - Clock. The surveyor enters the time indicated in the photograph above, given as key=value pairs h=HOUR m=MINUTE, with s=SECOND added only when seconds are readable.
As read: h=3 m=3
